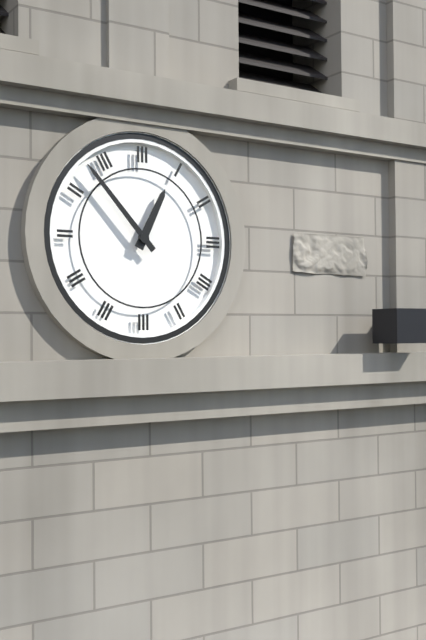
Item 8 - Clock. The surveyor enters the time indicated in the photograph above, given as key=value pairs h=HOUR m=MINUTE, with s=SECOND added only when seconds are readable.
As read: h=12 m=53
